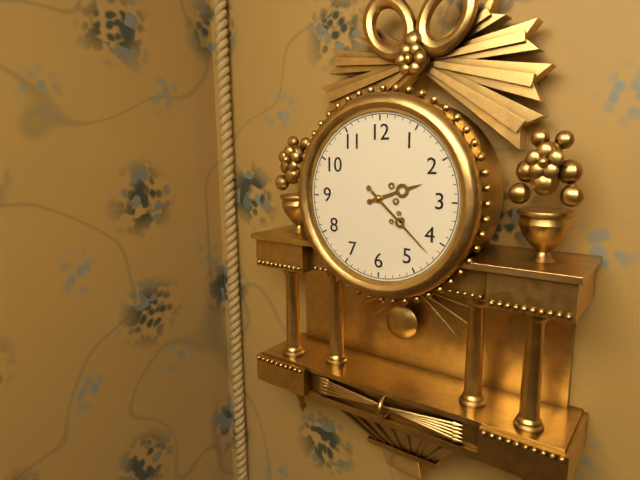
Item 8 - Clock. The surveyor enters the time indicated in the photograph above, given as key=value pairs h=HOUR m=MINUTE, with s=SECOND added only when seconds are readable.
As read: h=2 m=22
